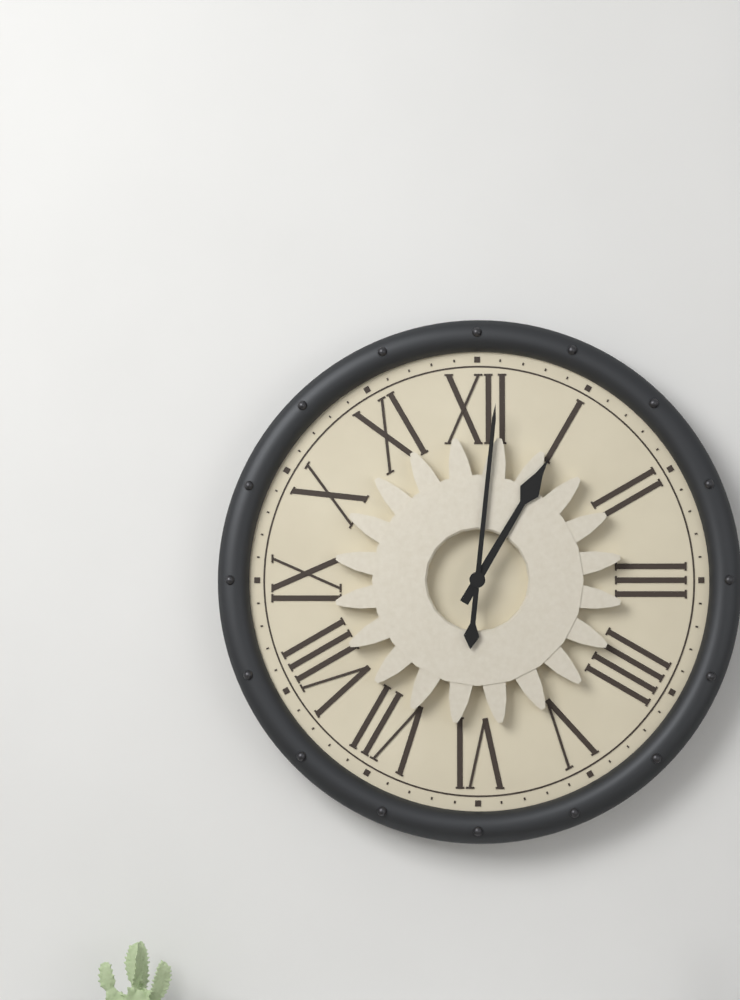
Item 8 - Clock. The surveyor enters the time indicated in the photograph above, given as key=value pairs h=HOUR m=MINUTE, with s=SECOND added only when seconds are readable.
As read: h=1 m=1
